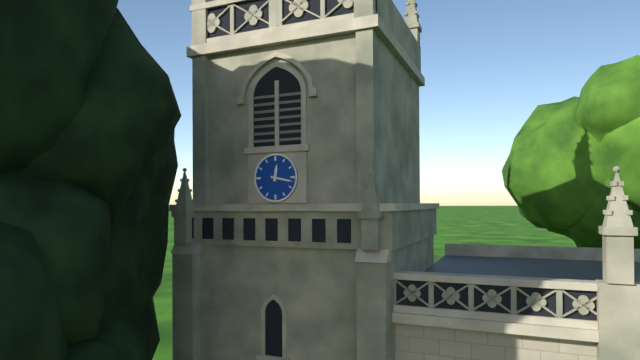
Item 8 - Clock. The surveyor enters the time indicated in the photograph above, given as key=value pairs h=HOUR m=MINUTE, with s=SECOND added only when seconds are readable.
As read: h=12 m=17
